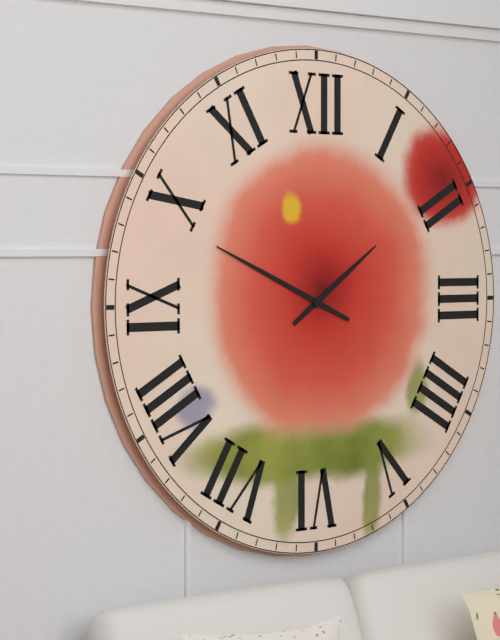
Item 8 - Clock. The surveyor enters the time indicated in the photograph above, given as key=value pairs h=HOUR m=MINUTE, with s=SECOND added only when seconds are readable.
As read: h=1 m=49
